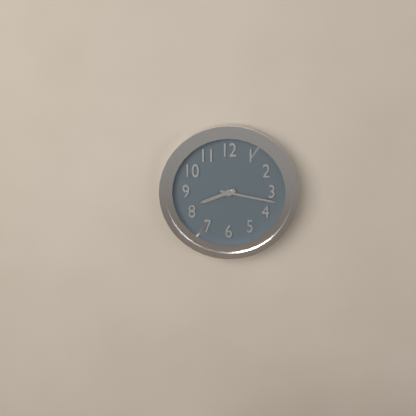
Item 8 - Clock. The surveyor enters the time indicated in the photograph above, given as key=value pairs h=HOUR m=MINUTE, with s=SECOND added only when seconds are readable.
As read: h=8 m=17
